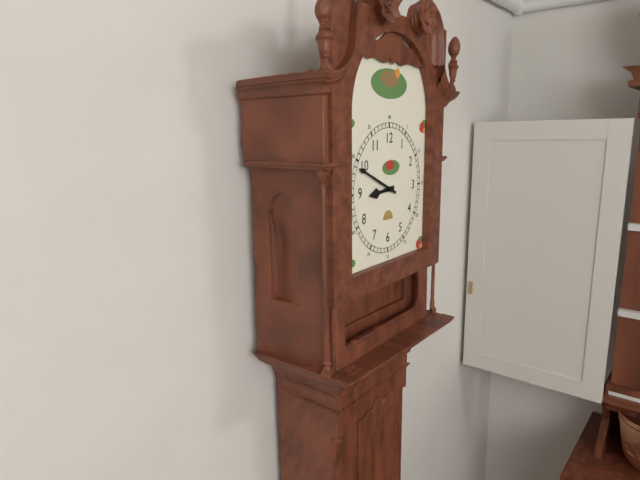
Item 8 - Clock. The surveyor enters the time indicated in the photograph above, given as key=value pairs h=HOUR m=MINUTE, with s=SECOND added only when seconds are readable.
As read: h=8 m=49
